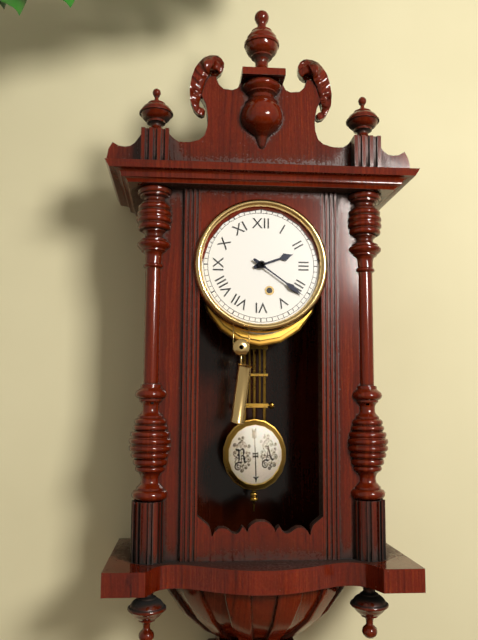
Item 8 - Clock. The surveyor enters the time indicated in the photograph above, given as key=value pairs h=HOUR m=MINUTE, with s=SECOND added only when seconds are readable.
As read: h=2 m=21
